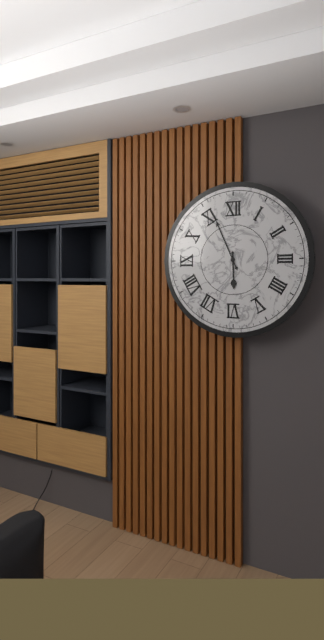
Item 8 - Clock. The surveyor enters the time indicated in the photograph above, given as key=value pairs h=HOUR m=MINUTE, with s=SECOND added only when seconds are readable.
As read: h=5 m=56
